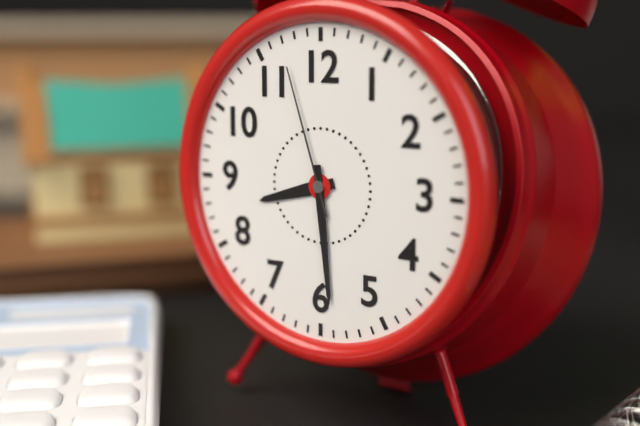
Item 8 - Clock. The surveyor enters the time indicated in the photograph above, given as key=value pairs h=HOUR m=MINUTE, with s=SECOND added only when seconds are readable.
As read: h=8 m=29 s=57
